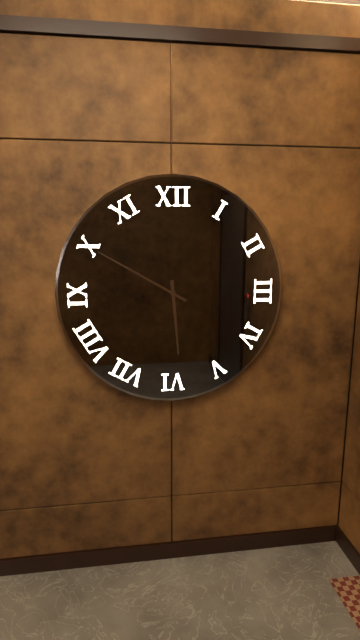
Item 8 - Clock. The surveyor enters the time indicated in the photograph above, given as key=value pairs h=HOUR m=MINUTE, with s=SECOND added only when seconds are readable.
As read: h=5 m=50
